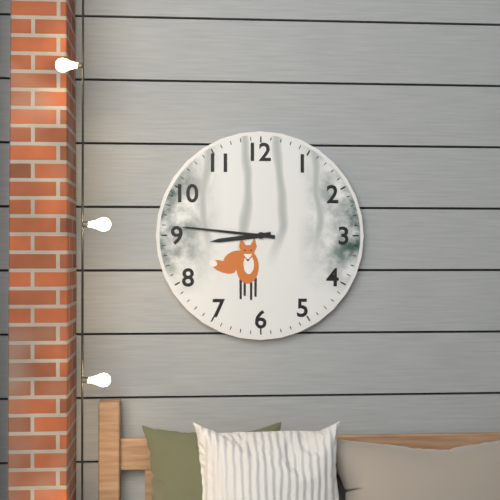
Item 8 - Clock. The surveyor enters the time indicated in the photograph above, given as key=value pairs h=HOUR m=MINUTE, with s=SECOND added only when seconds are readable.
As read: h=8 m=46
